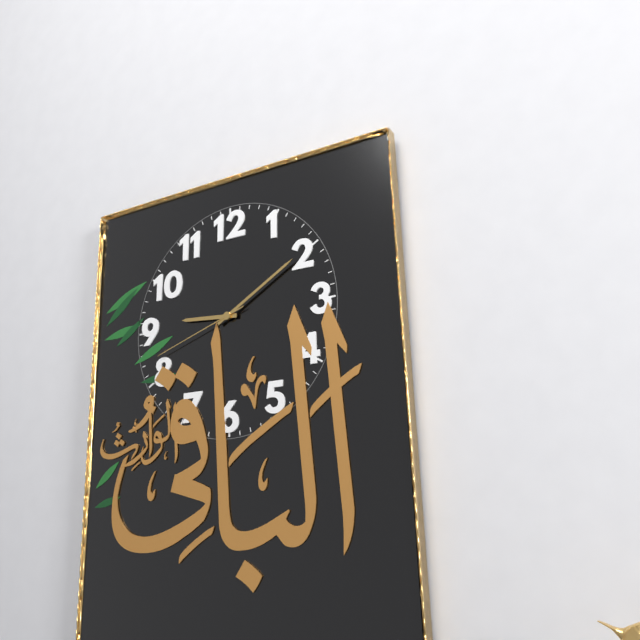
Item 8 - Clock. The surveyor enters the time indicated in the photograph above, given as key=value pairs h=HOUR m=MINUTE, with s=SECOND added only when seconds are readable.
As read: h=9 m=10 s=42
